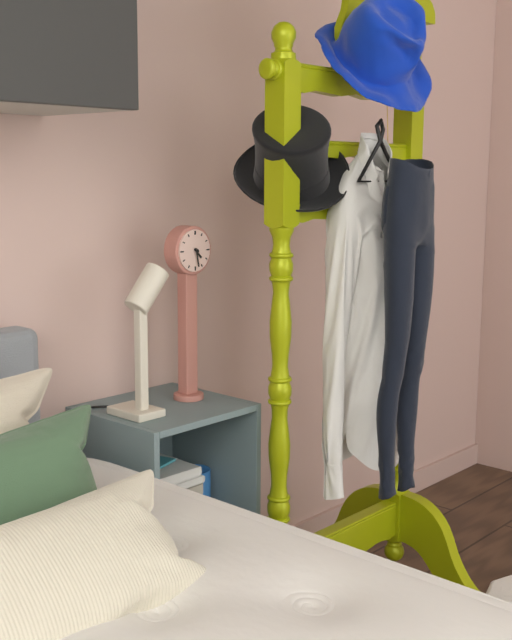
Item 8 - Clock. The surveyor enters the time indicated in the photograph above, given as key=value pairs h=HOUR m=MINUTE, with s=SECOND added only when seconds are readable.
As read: h=4 m=28
